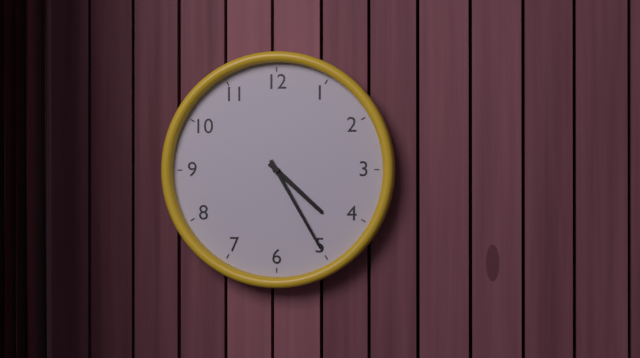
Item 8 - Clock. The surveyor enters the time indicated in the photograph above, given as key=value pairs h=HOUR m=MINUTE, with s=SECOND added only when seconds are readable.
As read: h=4 m=25
